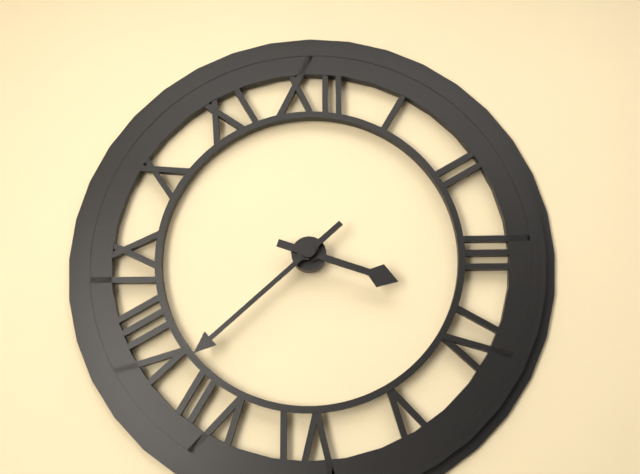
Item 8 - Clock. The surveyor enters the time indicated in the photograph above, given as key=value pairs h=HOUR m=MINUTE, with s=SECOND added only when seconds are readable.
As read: h=3 m=38
